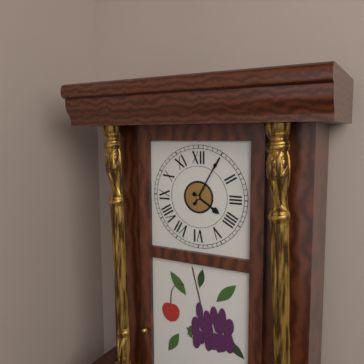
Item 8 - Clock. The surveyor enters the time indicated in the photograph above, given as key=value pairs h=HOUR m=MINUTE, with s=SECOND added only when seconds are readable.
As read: h=4 m=5
